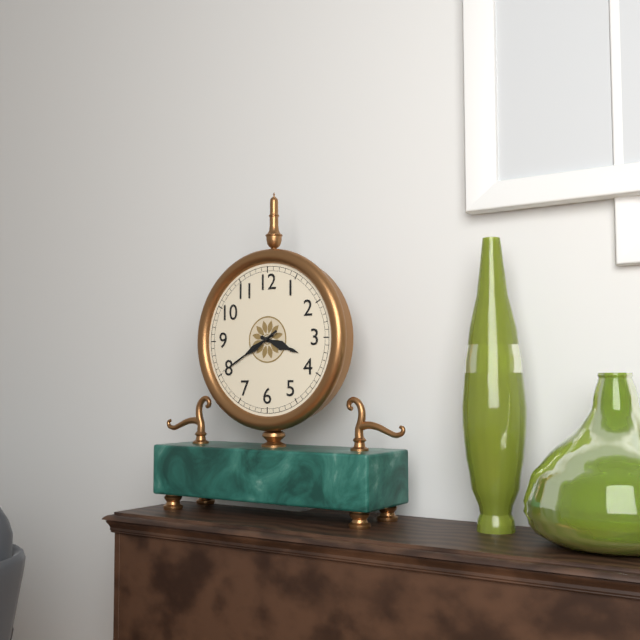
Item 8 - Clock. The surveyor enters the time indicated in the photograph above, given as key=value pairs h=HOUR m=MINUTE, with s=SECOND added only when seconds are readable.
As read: h=3 m=40 s=40
